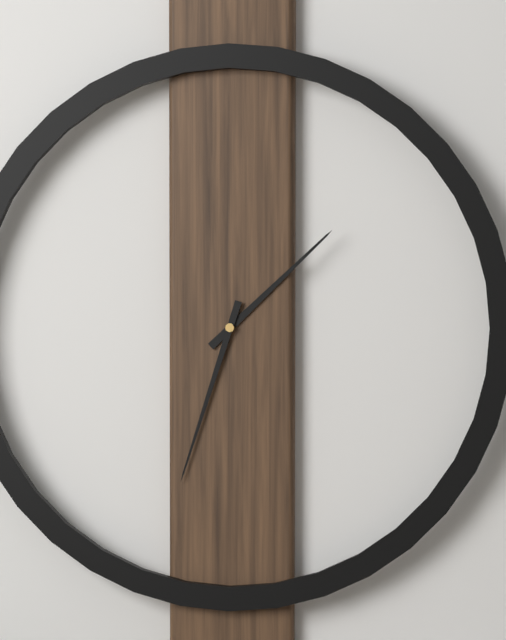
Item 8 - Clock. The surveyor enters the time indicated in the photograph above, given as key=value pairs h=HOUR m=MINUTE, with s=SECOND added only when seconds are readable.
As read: h=1 m=33
